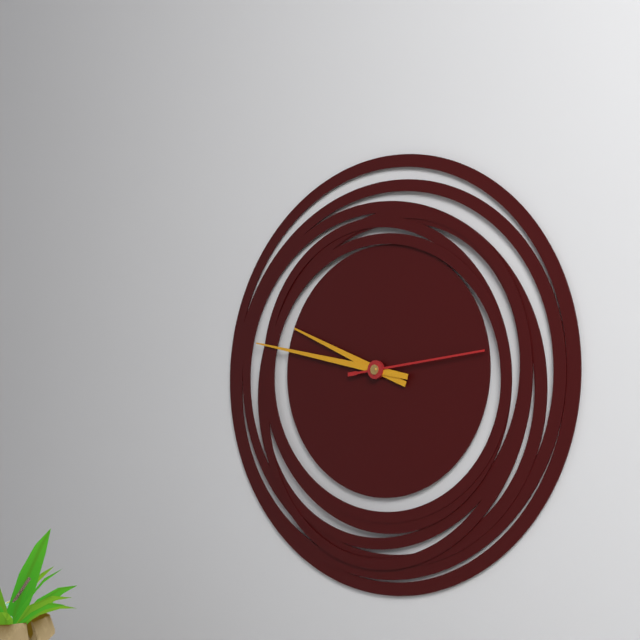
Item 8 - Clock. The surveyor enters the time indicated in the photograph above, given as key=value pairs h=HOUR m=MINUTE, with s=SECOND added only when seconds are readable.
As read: h=9 m=47 s=14
